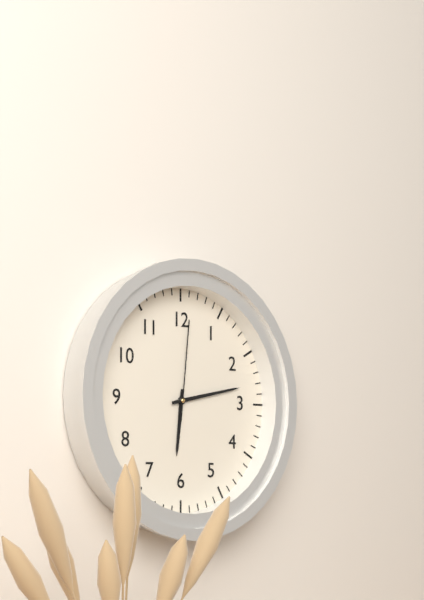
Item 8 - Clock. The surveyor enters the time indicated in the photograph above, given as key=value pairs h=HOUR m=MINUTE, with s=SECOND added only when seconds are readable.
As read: h=6 m=13 s=1
